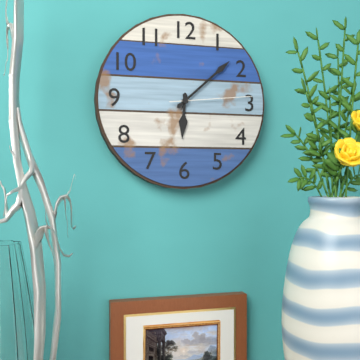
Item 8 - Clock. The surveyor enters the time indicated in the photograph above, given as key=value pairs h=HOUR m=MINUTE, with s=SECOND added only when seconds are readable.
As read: h=6 m=8 s=14
